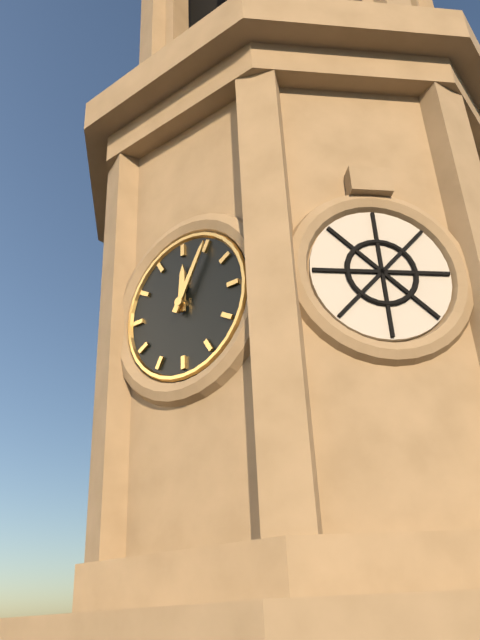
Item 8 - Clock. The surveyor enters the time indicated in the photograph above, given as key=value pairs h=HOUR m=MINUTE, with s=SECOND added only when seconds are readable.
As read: h=12 m=5
